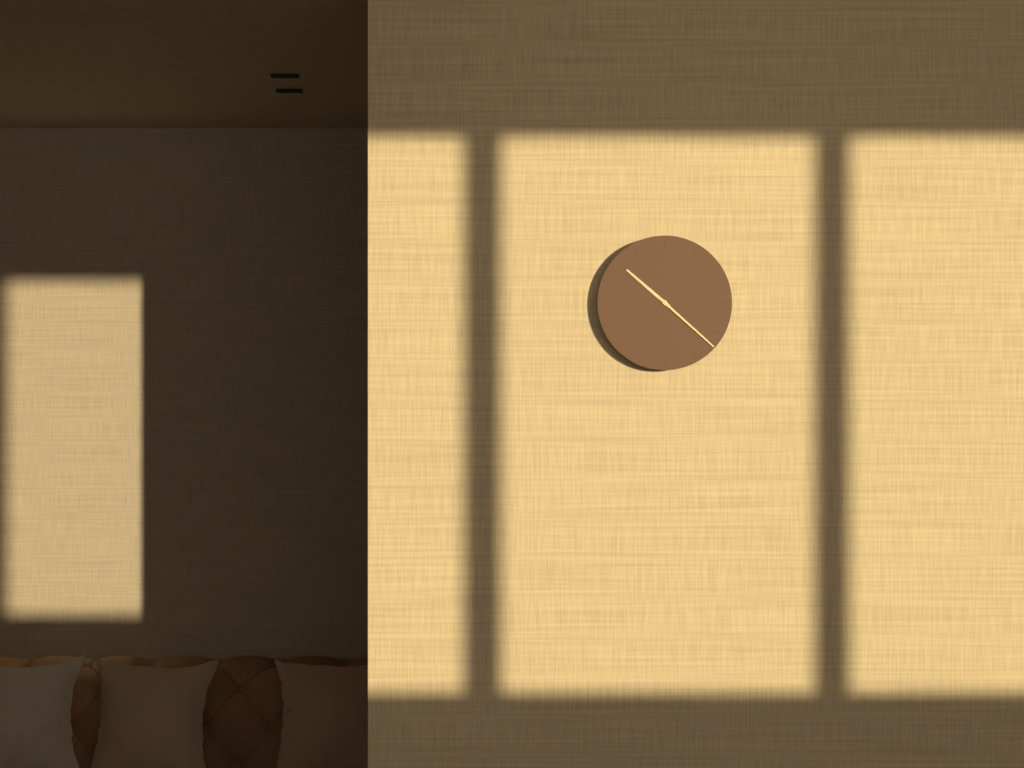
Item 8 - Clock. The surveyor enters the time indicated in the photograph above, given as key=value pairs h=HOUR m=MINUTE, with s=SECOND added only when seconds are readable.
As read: h=10 m=22
